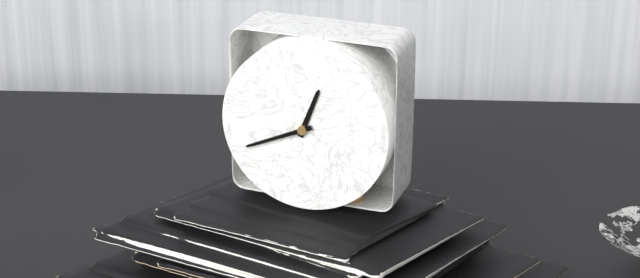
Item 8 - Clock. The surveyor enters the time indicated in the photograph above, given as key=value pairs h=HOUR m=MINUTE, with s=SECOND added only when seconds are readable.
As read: h=12 m=41
